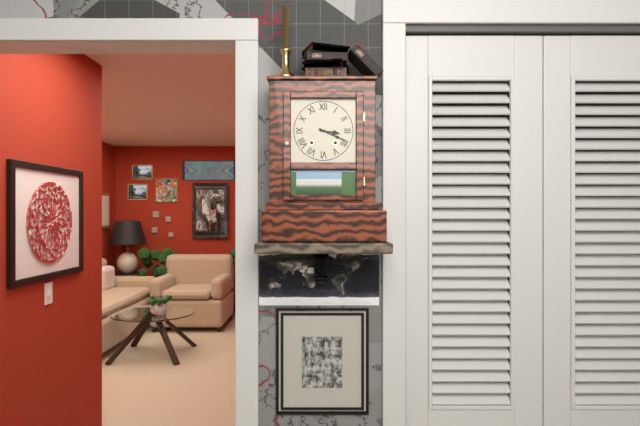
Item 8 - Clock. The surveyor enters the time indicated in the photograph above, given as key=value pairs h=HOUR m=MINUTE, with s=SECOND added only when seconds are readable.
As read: h=3 m=19
